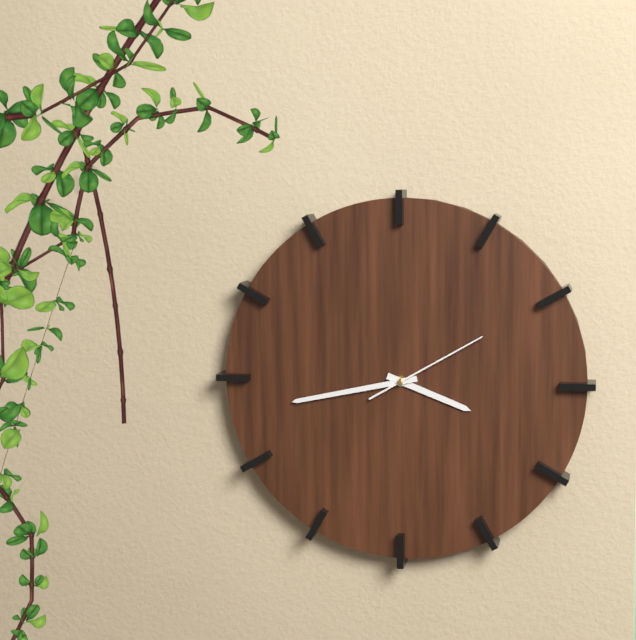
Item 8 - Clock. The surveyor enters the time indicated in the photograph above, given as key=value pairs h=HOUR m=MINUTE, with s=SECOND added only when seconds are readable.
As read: h=3 m=43 s=10
